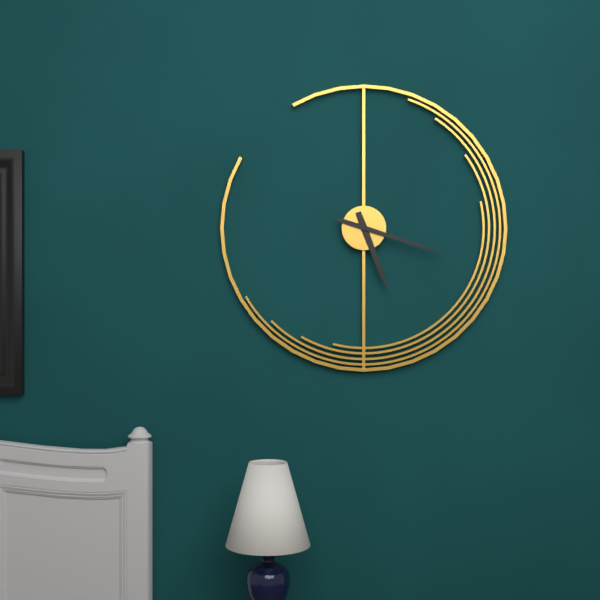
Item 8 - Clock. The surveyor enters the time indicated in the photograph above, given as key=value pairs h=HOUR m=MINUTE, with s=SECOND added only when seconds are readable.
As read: h=5 m=18
